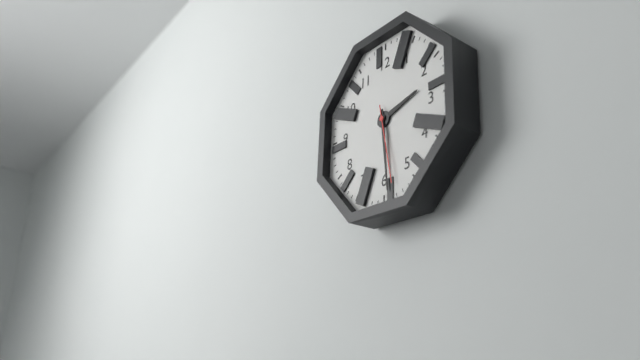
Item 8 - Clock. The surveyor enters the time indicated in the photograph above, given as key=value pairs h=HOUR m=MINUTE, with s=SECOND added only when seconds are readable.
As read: h=2 m=29 s=28
